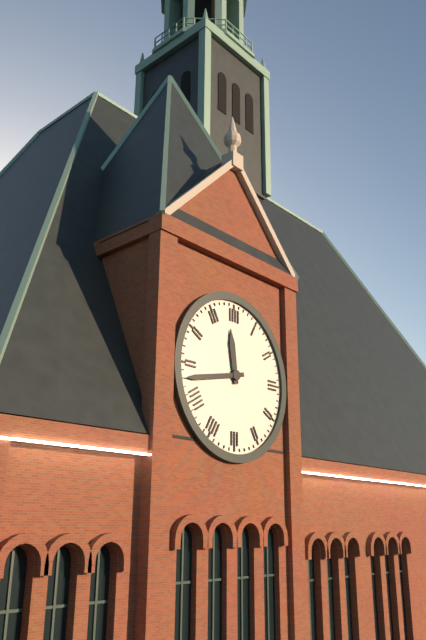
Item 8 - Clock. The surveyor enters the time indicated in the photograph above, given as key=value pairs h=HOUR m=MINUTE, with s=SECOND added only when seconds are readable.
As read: h=11 m=43
